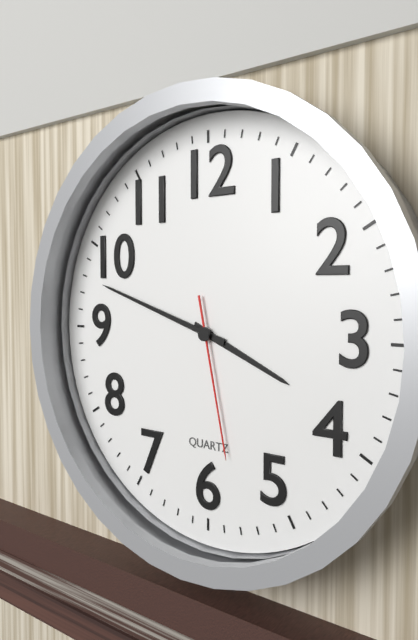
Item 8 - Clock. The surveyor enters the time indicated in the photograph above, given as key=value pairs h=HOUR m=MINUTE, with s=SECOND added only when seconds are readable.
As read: h=3 m=48 s=28
